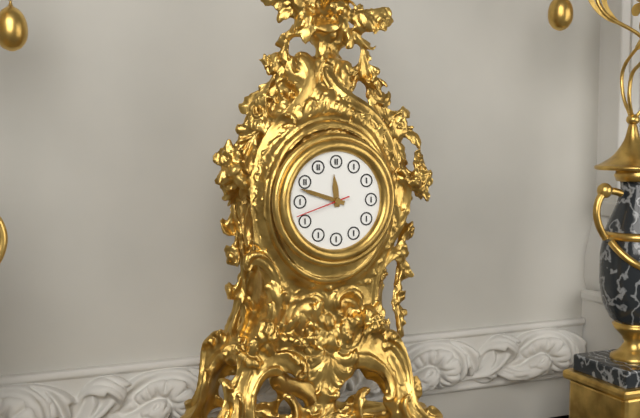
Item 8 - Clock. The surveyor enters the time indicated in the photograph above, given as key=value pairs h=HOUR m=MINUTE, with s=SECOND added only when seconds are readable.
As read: h=11 m=48 s=42
